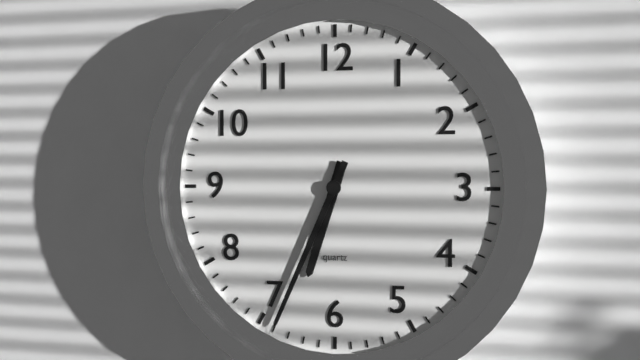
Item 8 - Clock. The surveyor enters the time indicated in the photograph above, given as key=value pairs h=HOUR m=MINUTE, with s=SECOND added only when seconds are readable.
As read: h=6 m=34
